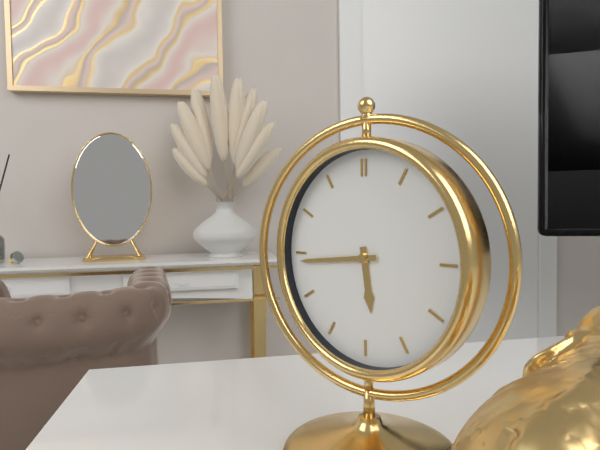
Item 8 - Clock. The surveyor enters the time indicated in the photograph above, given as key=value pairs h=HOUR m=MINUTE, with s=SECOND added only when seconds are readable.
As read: h=5 m=44
